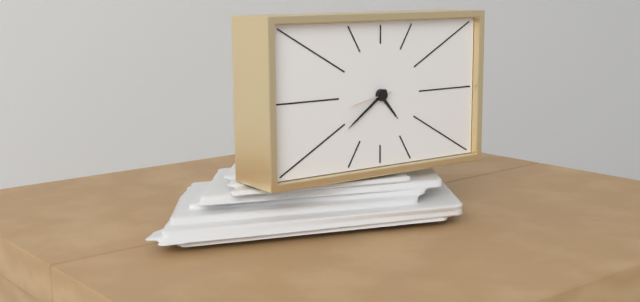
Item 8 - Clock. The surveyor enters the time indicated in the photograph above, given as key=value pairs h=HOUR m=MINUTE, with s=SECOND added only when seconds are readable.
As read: h=4 m=39
